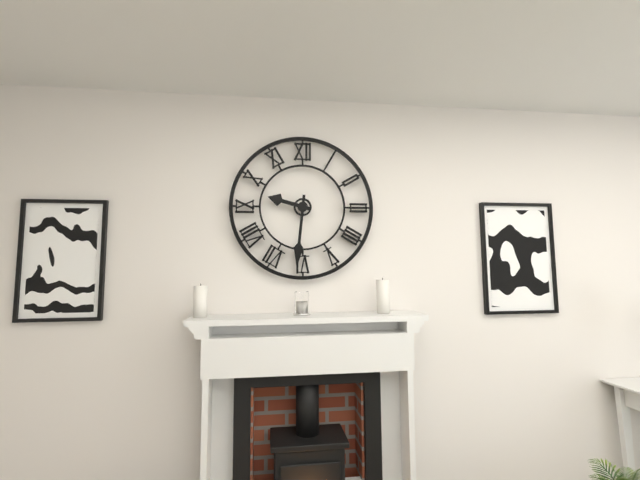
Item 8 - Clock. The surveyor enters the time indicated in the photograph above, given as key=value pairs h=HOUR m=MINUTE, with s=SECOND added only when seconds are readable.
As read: h=9 m=31
